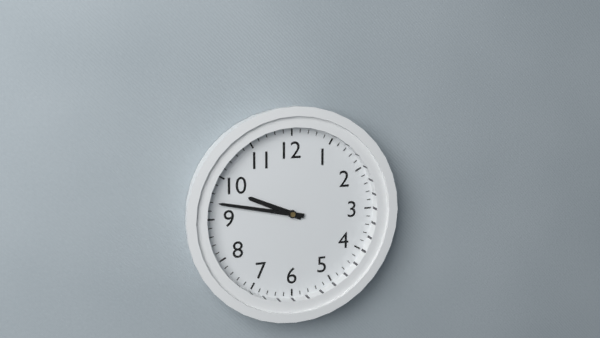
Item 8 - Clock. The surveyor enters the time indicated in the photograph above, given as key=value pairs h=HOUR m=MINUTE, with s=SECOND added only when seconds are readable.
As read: h=9 m=47
